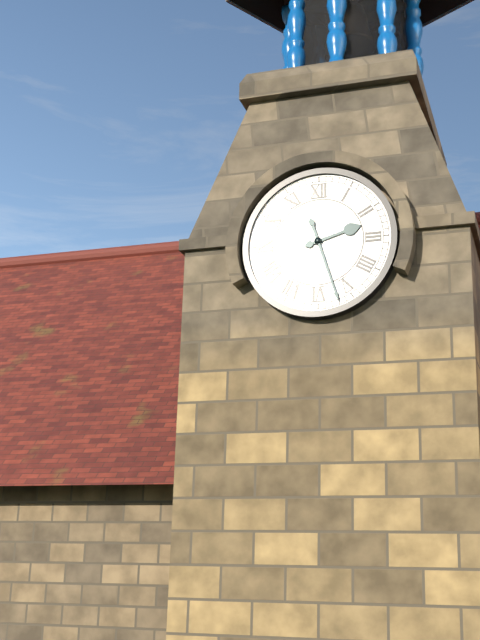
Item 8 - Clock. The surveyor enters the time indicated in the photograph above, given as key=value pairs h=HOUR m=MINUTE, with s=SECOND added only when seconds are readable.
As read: h=2 m=27
